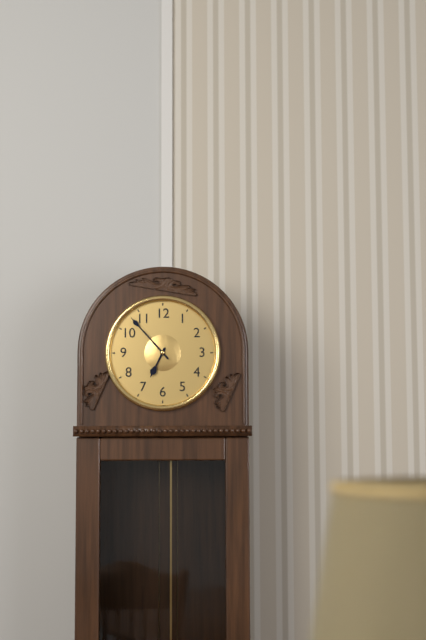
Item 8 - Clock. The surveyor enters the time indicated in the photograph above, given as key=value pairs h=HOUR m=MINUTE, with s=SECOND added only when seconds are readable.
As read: h=6 m=53
